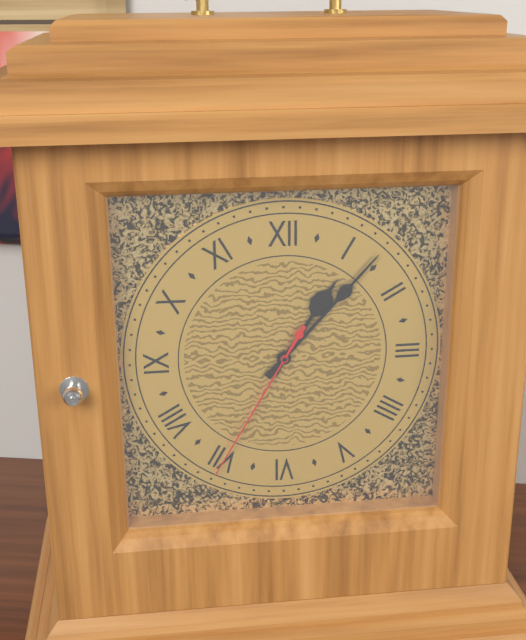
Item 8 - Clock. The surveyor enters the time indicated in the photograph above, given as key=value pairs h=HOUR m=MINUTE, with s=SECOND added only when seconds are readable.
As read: h=1 m=7 s=35
